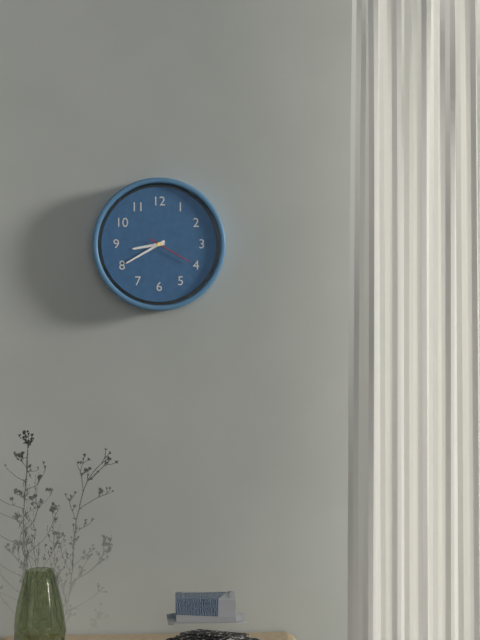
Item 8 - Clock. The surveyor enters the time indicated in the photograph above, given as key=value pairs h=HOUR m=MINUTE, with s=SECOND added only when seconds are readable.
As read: h=8 m=40
